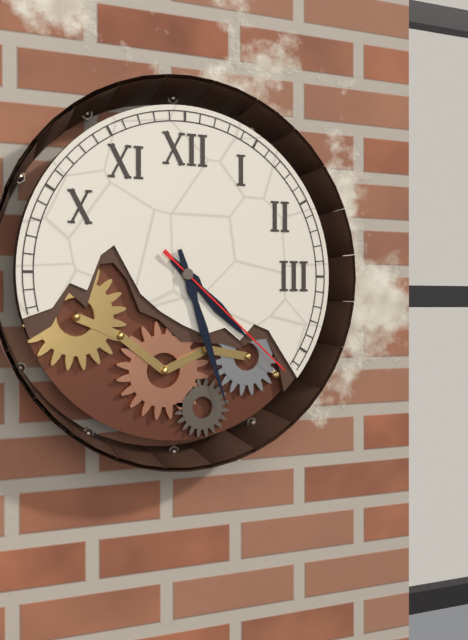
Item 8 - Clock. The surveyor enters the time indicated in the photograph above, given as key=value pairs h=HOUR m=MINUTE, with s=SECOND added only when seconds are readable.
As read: h=4 m=27 s=22
